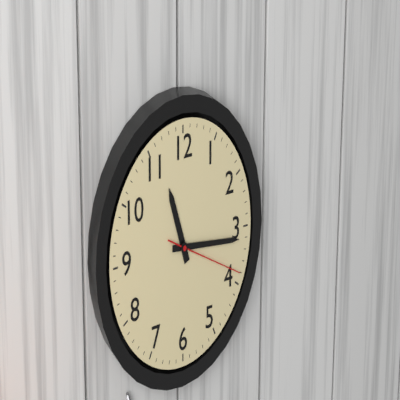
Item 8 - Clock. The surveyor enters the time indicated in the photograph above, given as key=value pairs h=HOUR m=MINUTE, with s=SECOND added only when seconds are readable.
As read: h=11 m=16 s=19
